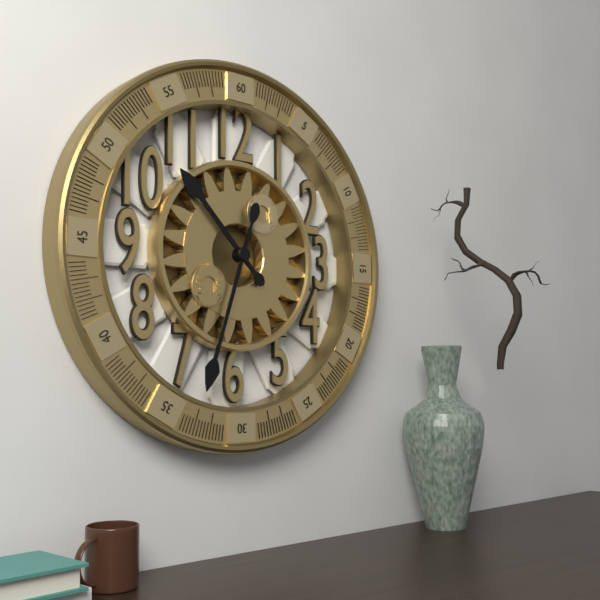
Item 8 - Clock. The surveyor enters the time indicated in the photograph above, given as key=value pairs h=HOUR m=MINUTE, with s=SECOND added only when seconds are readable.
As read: h=10 m=33
